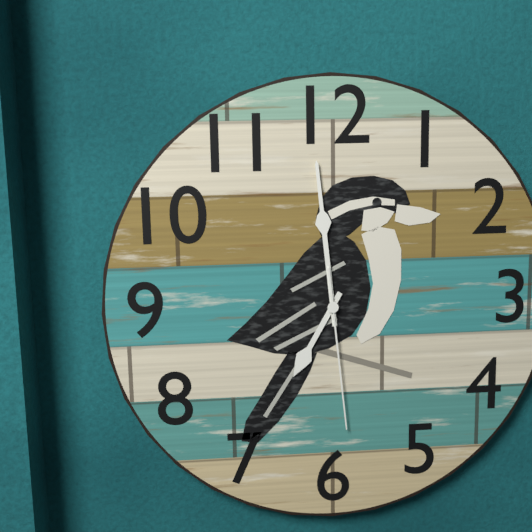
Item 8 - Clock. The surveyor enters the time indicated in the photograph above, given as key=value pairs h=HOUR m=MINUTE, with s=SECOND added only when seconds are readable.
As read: h=6 m=59 s=29
